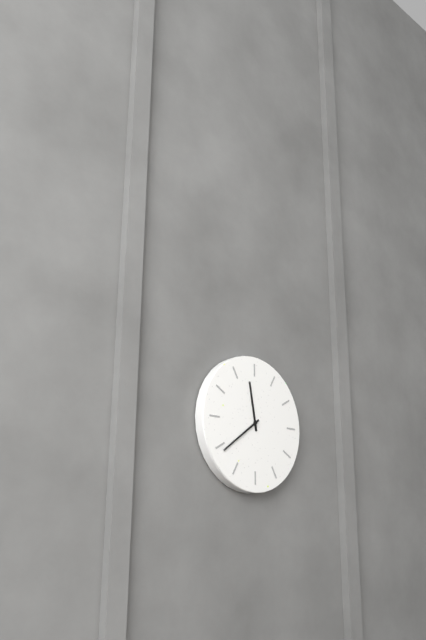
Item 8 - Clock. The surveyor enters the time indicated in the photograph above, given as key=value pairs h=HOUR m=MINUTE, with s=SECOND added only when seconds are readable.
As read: h=11 m=39
